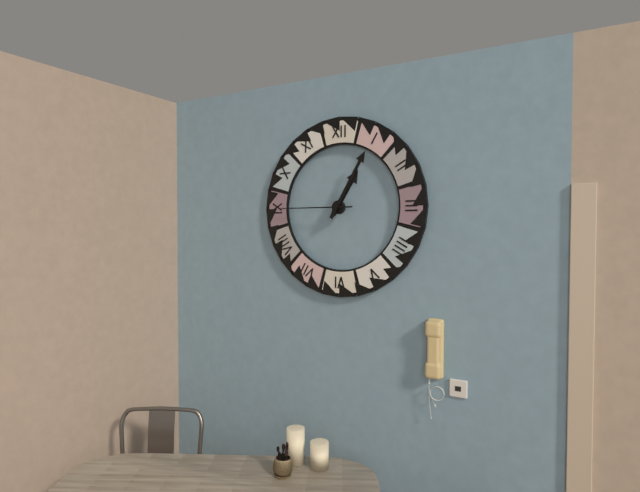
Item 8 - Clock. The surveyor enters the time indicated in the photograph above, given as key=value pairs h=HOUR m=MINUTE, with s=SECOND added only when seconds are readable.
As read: h=1 m=5 s=45
